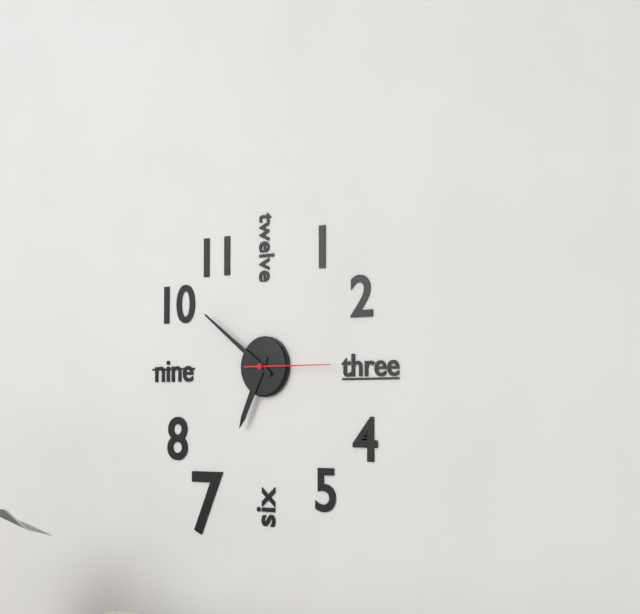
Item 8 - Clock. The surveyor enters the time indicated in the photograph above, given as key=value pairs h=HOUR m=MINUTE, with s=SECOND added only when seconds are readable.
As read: h=6 m=51 s=15
